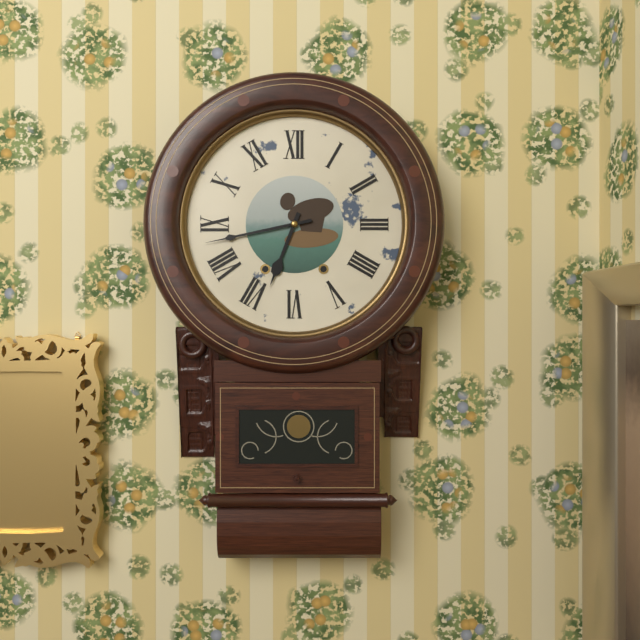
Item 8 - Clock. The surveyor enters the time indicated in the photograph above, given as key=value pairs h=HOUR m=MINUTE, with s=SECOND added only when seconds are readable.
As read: h=6 m=43
